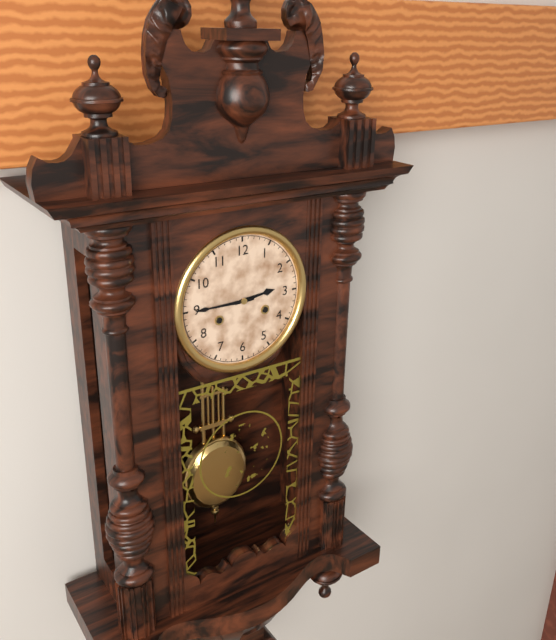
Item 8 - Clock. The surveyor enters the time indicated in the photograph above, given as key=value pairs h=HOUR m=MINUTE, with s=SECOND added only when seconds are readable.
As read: h=2 m=45
